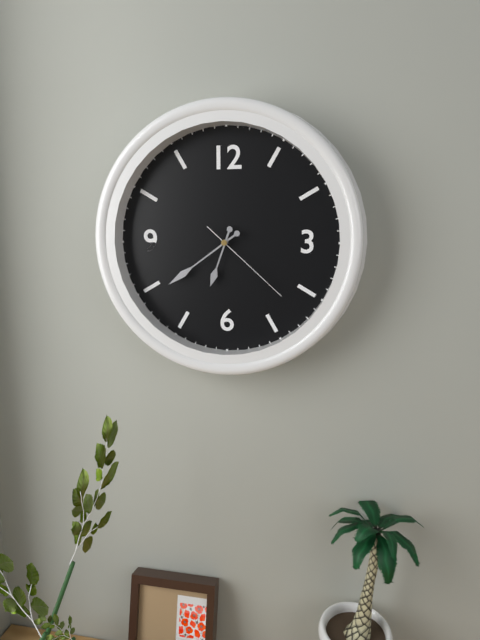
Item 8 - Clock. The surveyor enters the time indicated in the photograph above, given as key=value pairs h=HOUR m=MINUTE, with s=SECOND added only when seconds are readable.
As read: h=6 m=39 s=22
